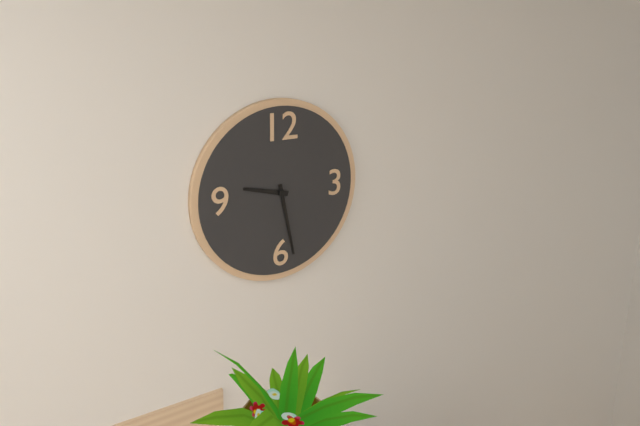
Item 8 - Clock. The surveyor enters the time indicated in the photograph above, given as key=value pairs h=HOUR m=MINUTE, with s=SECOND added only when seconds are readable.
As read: h=9 m=28
